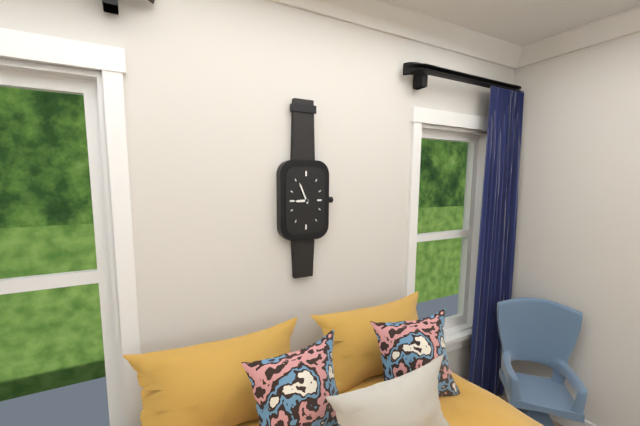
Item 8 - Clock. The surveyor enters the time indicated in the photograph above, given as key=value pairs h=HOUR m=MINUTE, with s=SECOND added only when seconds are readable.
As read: h=8 m=56
